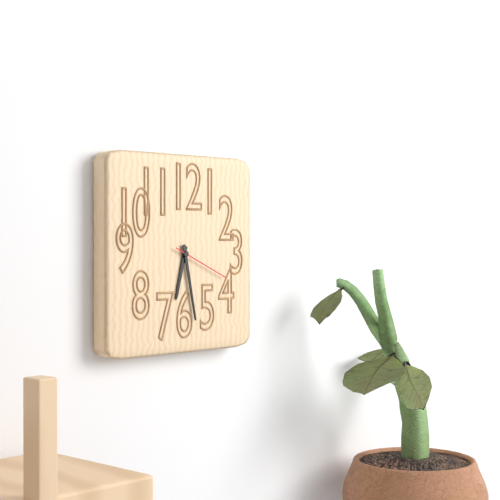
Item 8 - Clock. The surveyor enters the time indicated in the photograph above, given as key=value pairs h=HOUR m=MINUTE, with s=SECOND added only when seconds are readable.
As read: h=6 m=28 s=19
